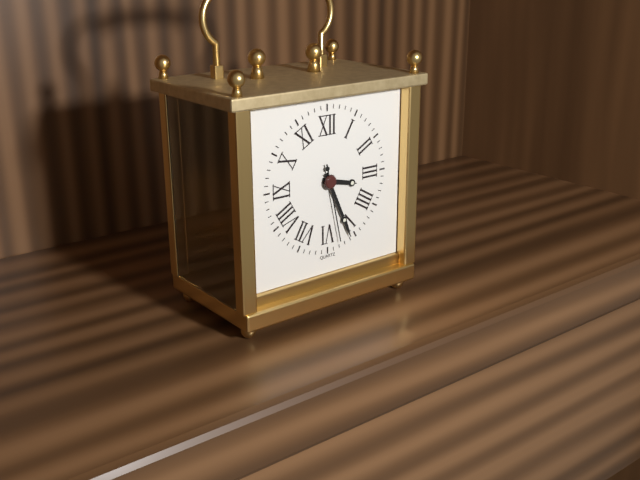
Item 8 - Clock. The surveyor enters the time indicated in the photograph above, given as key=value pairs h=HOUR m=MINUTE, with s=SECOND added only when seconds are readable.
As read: h=3 m=26 s=28
